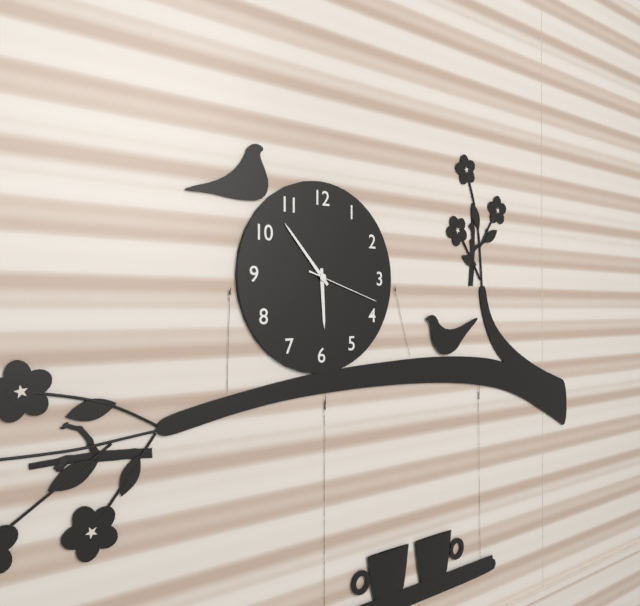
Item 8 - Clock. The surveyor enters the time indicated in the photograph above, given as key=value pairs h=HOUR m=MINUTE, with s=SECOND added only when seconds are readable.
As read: h=5 m=53 s=18
